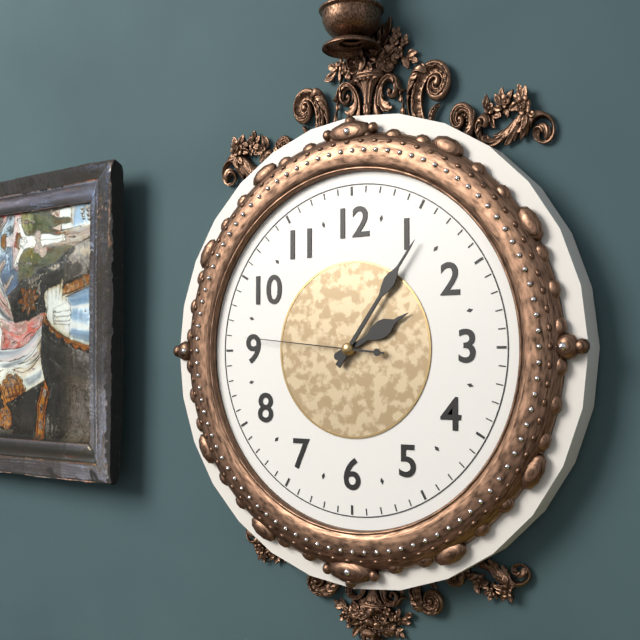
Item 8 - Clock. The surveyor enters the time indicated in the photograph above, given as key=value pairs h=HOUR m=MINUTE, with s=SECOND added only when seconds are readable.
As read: h=2 m=6 s=46
